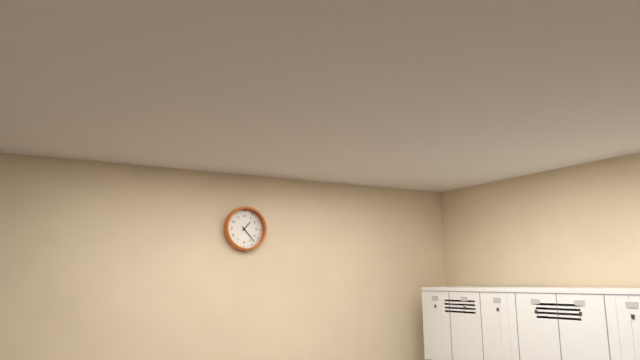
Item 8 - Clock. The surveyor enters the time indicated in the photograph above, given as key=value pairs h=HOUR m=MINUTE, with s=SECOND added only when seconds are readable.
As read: h=1 m=23
